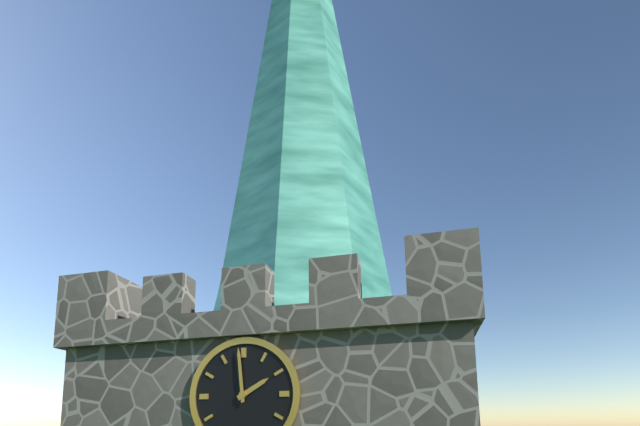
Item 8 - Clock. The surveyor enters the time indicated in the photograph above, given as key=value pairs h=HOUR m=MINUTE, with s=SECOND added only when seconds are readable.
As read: h=1 m=59
